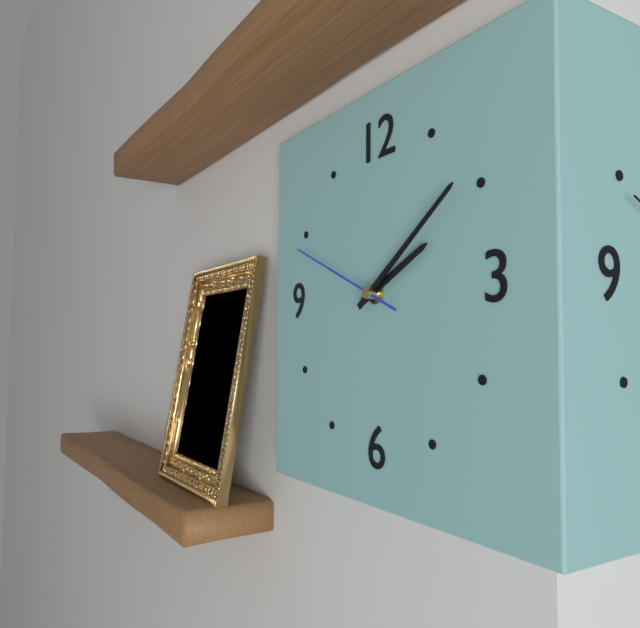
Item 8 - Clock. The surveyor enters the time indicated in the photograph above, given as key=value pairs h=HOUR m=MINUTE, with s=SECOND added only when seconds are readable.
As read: h=2 m=9 s=49
